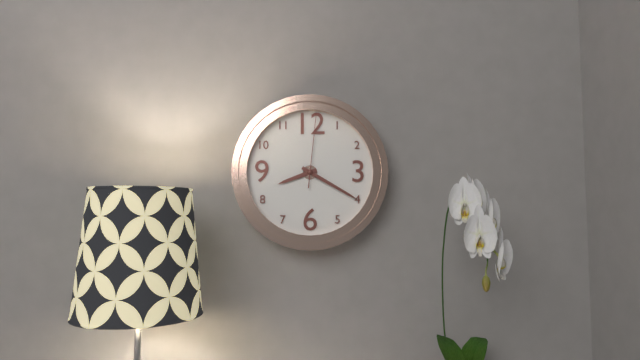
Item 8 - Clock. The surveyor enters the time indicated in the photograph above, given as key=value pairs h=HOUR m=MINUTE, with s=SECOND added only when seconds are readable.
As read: h=8 m=20 s=1
